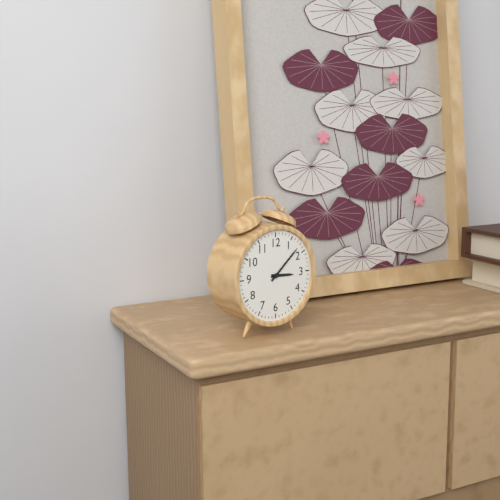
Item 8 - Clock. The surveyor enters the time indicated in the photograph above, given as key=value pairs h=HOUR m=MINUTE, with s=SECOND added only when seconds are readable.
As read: h=3 m=8
